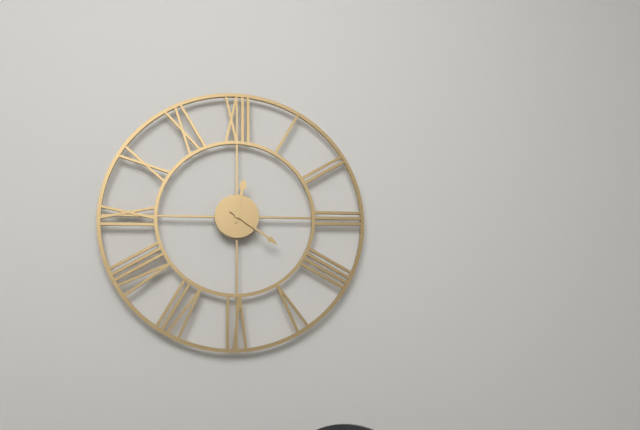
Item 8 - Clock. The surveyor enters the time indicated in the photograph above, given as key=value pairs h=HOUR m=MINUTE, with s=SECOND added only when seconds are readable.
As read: h=12 m=21
